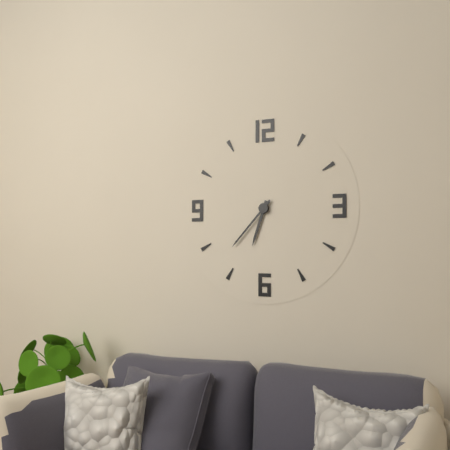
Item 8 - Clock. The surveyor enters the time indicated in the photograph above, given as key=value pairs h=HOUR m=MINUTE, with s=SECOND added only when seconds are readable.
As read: h=6 m=37
